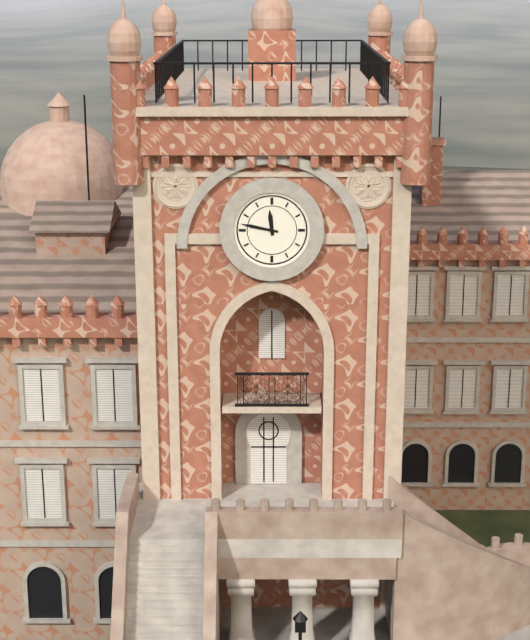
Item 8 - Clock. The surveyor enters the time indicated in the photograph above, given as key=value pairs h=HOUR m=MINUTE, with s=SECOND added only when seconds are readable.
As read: h=11 m=47
